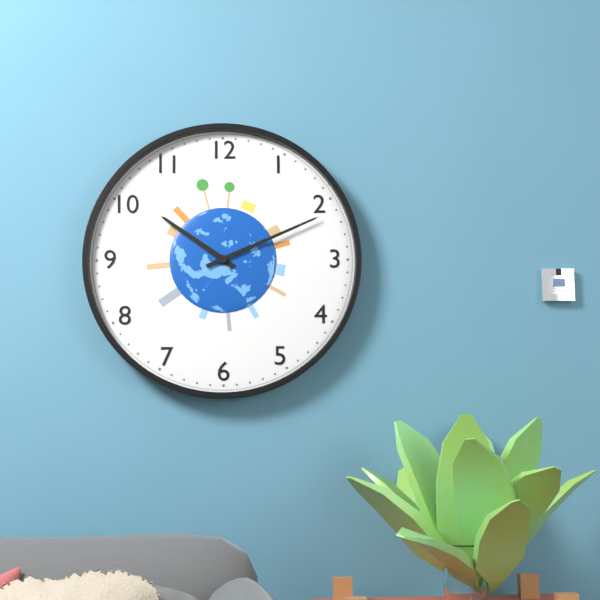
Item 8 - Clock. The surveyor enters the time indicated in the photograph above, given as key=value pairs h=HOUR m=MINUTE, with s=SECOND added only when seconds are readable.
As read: h=10 m=11
